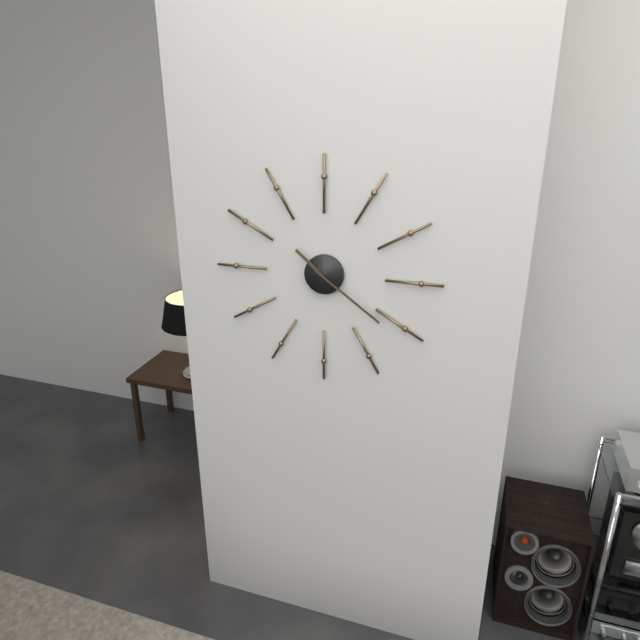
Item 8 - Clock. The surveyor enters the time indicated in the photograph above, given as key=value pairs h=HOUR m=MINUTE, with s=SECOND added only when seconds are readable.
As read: h=10 m=21
